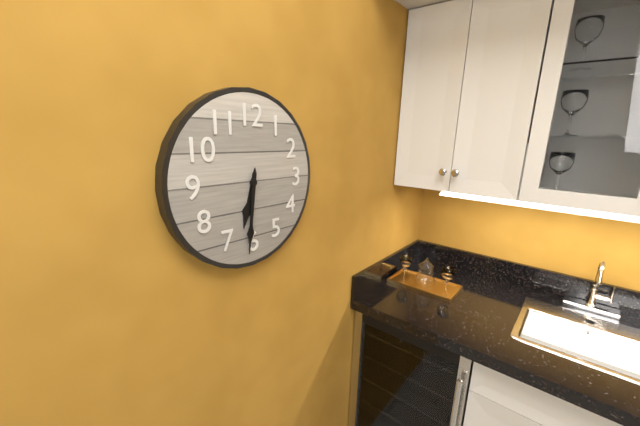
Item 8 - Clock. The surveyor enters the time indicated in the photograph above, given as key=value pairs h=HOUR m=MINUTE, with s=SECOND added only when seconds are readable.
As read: h=6 m=31
